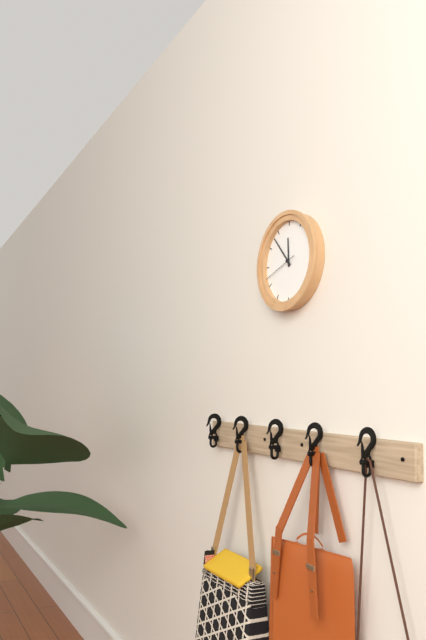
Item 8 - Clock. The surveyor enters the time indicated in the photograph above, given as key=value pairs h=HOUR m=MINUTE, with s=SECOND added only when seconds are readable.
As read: h=11 m=53
